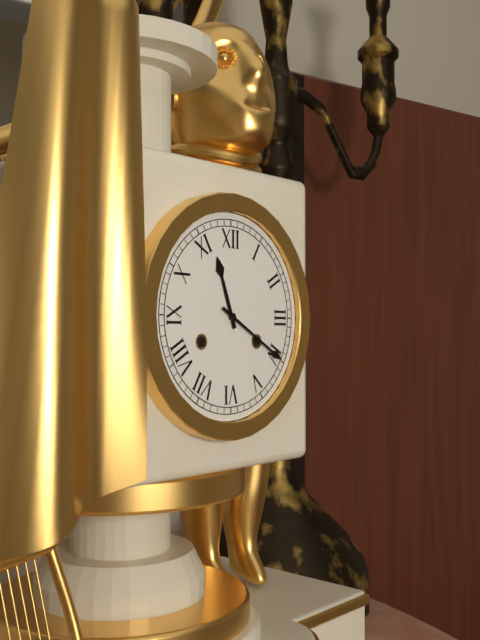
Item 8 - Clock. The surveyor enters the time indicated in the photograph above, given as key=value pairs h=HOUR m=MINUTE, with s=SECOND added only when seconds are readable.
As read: h=11 m=20
